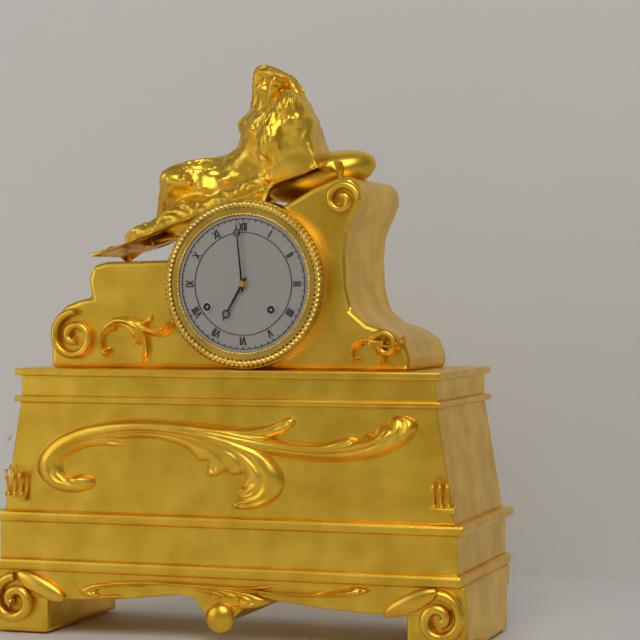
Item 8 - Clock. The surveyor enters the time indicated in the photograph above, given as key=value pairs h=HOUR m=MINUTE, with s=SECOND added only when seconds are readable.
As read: h=6 m=59
